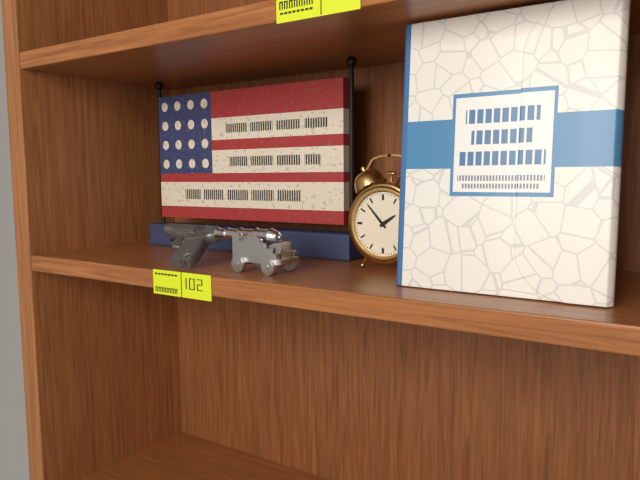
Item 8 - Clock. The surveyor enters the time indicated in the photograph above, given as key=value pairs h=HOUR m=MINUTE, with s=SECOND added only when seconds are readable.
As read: h=1 m=53
